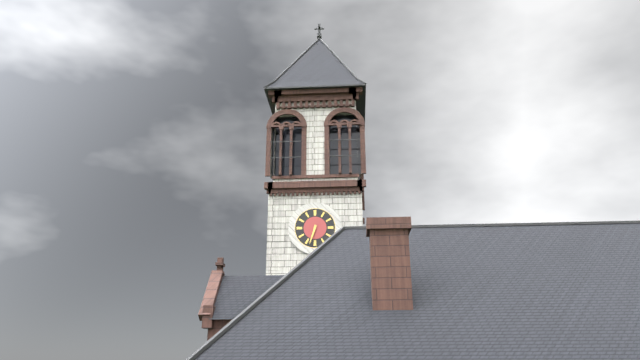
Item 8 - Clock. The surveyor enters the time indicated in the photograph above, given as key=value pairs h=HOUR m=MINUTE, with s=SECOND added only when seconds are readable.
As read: h=6 m=33
